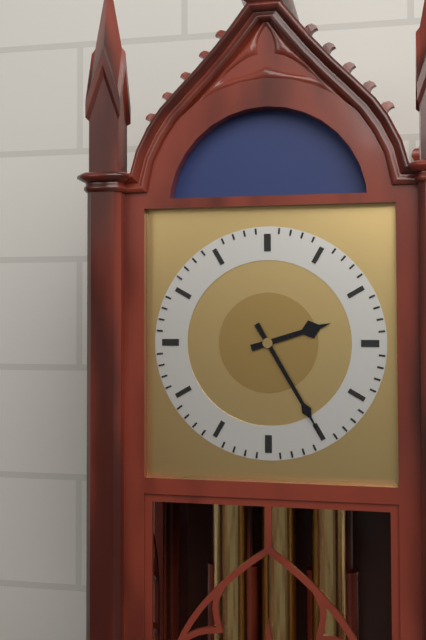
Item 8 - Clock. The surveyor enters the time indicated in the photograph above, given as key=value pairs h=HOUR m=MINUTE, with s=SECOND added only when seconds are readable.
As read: h=2 m=25
